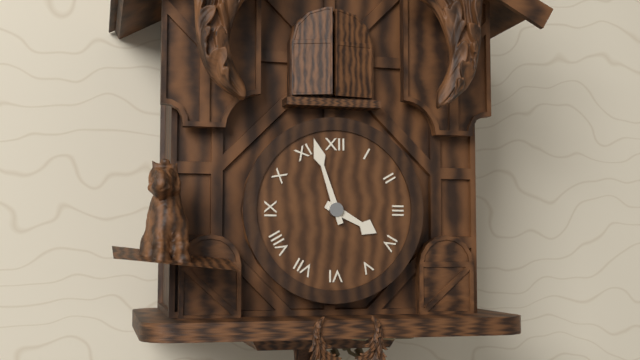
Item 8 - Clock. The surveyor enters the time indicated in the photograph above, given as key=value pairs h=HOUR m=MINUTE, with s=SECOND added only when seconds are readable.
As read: h=3 m=57
